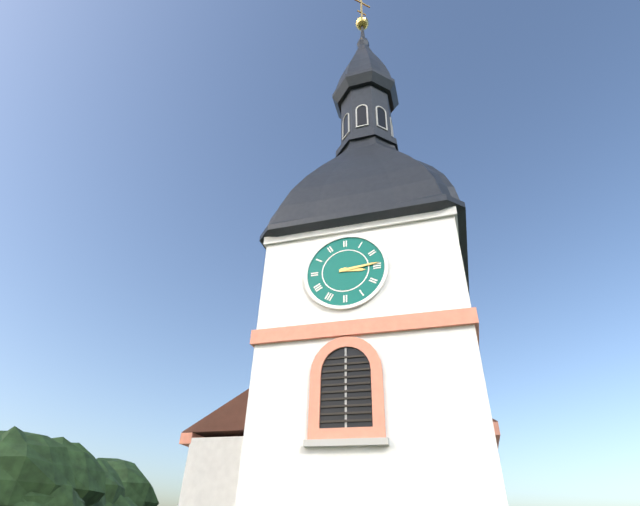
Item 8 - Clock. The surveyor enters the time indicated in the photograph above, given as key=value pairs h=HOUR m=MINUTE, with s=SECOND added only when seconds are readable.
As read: h=3 m=14
